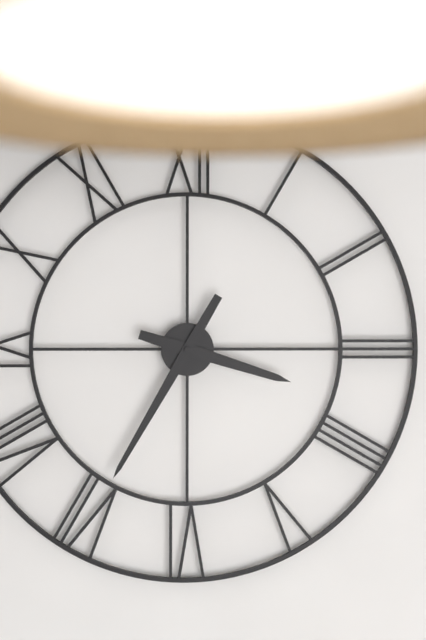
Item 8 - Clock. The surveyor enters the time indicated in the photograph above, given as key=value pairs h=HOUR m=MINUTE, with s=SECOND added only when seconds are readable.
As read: h=3 m=35
